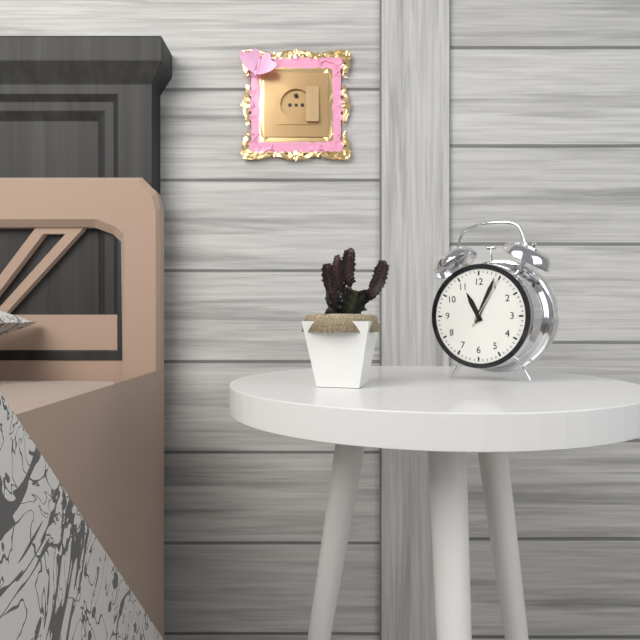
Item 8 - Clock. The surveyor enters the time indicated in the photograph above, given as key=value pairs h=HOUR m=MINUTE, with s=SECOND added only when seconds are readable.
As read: h=11 m=4 s=5
